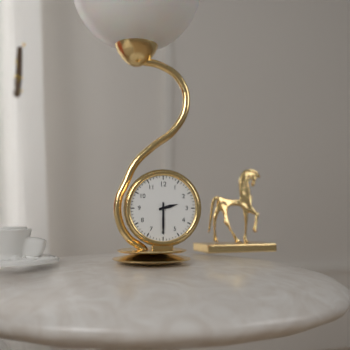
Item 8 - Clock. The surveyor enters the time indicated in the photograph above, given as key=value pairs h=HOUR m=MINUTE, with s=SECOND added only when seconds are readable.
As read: h=2 m=30
